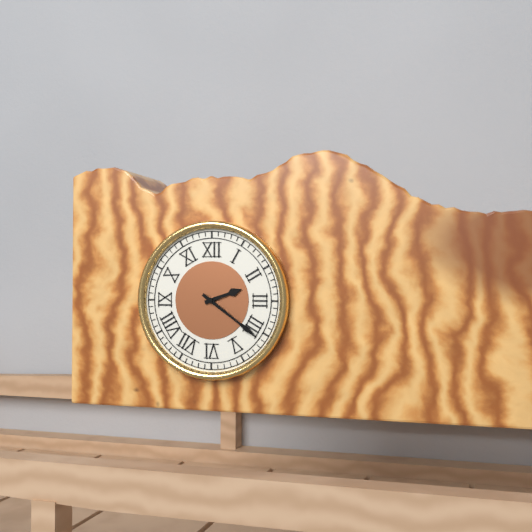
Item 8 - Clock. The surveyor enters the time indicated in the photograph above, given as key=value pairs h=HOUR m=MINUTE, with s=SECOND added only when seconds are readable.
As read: h=2 m=21
